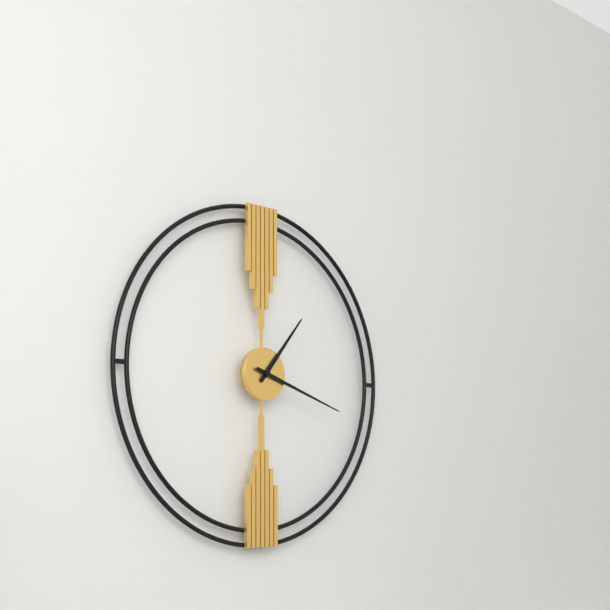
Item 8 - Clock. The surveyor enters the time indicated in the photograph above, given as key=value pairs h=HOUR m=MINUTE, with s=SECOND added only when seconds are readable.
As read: h=1 m=18
